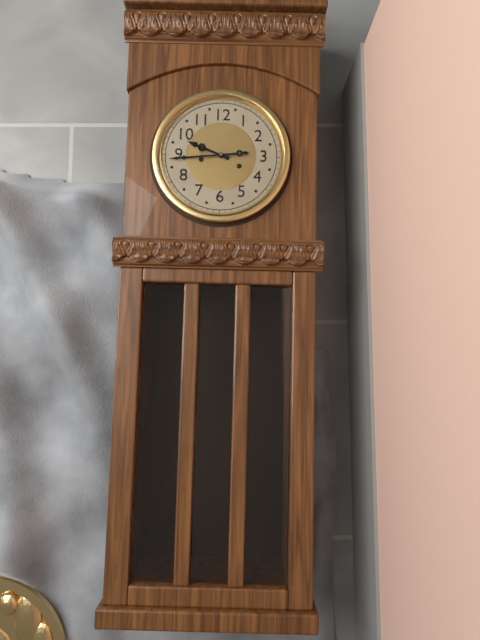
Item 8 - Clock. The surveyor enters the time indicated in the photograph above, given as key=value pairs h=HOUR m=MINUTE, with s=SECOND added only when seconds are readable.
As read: h=9 m=44
